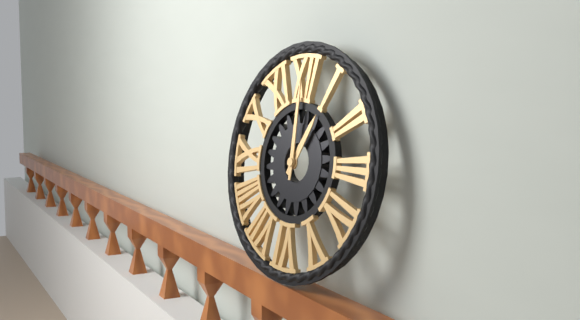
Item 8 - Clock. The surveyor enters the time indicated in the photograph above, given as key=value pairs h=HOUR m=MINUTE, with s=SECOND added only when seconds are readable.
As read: h=1 m=0
